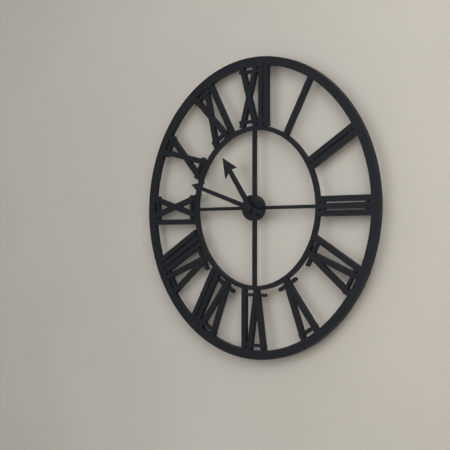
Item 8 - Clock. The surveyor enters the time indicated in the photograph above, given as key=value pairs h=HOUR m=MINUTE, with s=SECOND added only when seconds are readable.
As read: h=10 m=48
